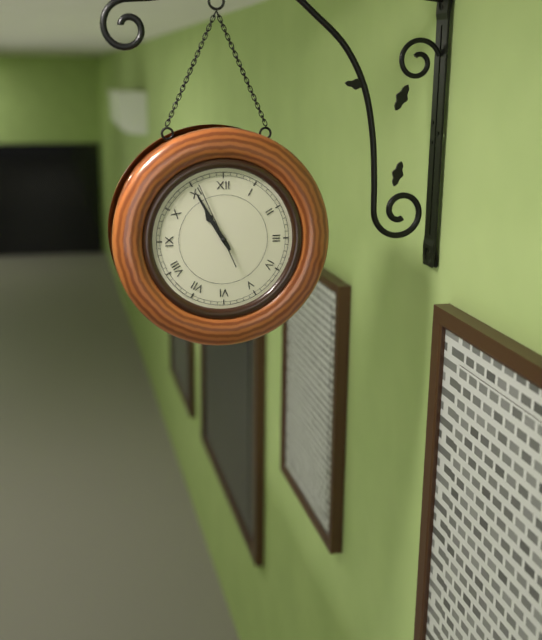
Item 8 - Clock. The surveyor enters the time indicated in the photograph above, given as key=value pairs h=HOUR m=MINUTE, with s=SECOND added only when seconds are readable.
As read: h=10 m=55 s=56
